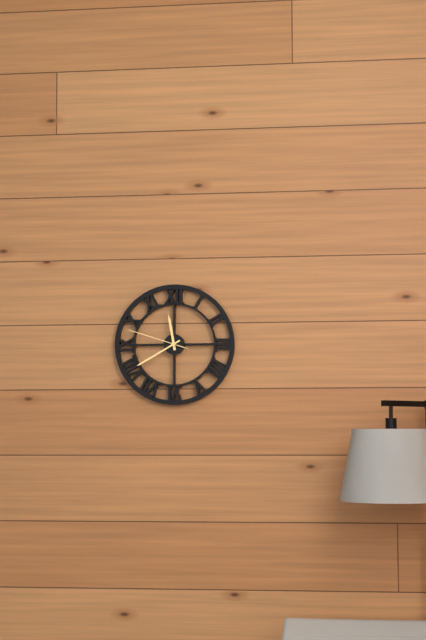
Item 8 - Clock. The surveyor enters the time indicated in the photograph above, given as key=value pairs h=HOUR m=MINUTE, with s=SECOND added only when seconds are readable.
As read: h=11 m=40 s=48
